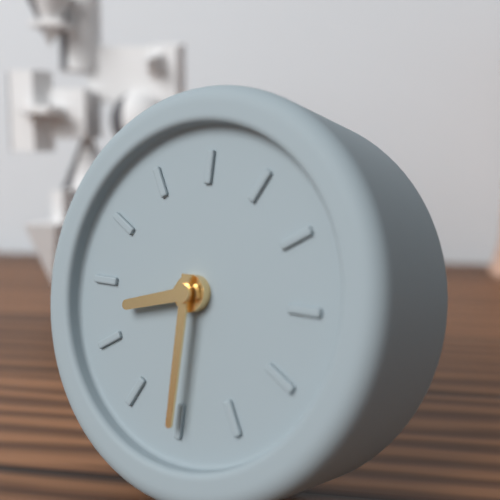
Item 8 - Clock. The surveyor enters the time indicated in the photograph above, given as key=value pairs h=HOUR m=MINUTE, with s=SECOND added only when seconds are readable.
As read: h=8 m=30
